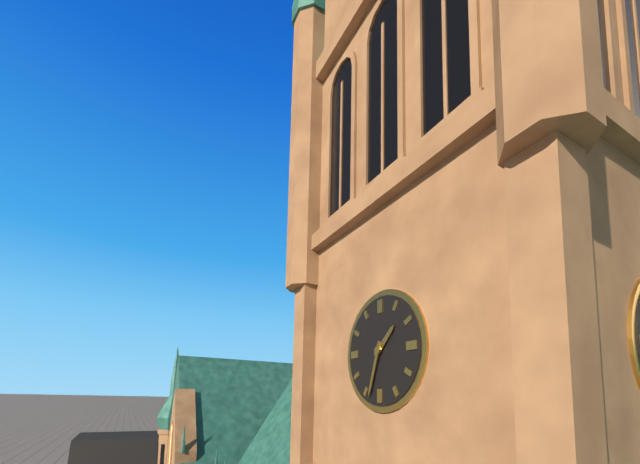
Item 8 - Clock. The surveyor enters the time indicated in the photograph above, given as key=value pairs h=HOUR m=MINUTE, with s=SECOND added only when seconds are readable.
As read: h=1 m=33
